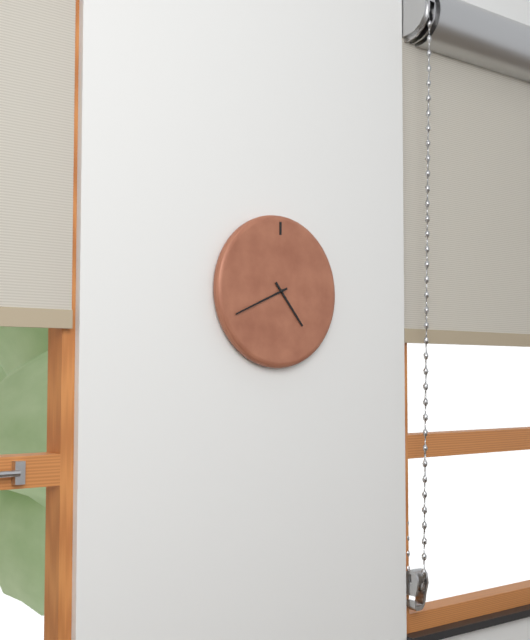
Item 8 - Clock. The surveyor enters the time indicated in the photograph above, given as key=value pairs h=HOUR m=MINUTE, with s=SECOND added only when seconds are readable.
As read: h=4 m=41
